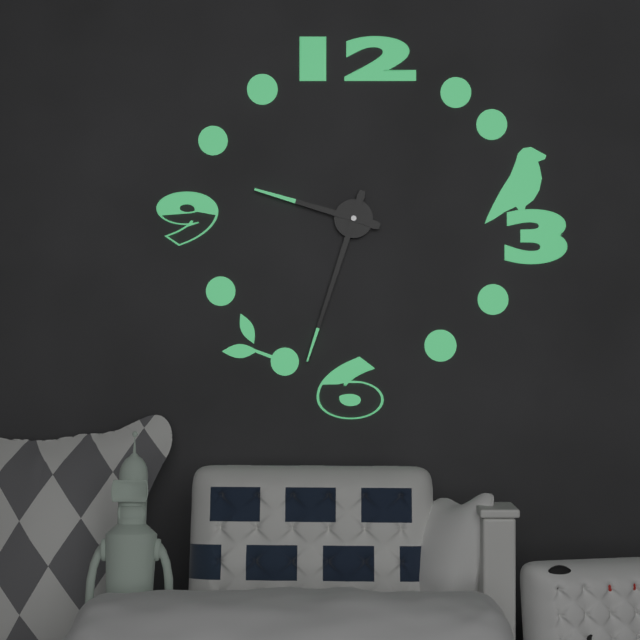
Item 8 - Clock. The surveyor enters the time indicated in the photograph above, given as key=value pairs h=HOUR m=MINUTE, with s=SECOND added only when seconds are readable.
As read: h=9 m=33
